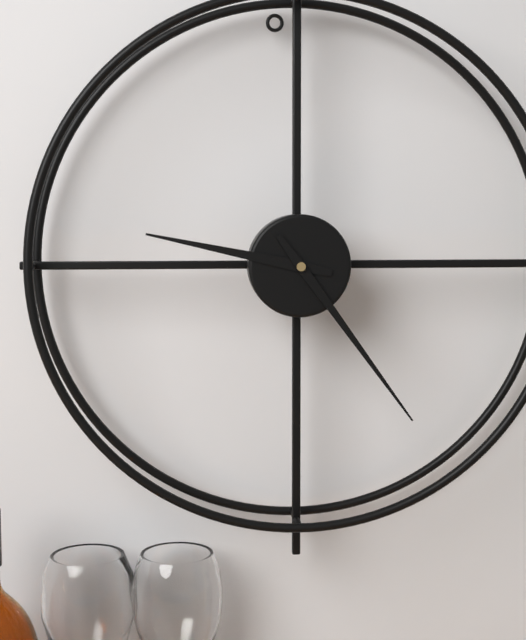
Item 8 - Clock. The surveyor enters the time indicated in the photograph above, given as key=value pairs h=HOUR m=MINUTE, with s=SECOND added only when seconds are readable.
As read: h=9 m=24
